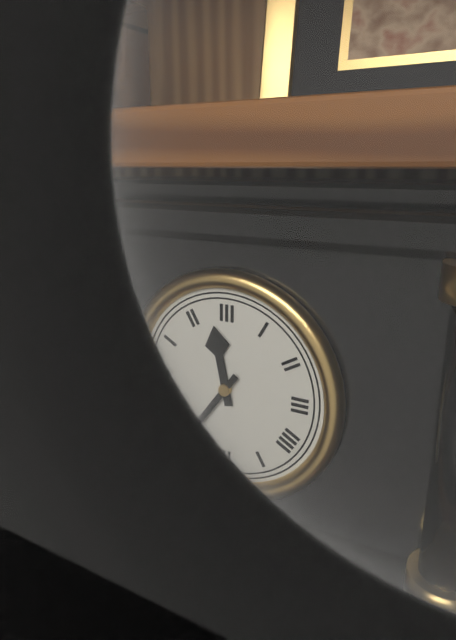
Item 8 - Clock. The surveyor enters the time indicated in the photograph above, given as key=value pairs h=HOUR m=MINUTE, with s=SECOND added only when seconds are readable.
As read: h=11 m=36
